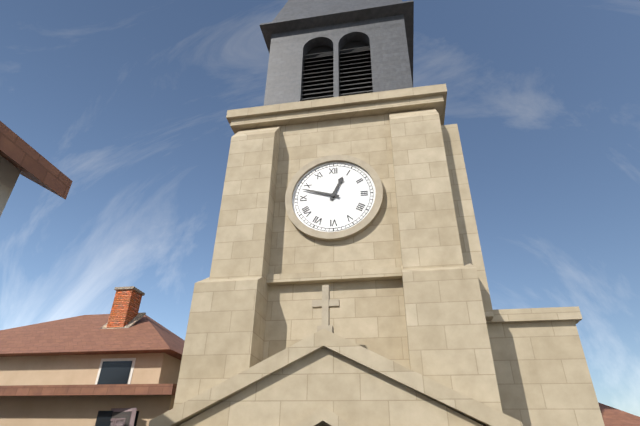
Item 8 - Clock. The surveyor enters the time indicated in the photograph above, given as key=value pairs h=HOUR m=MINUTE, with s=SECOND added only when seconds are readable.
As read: h=12 m=48
